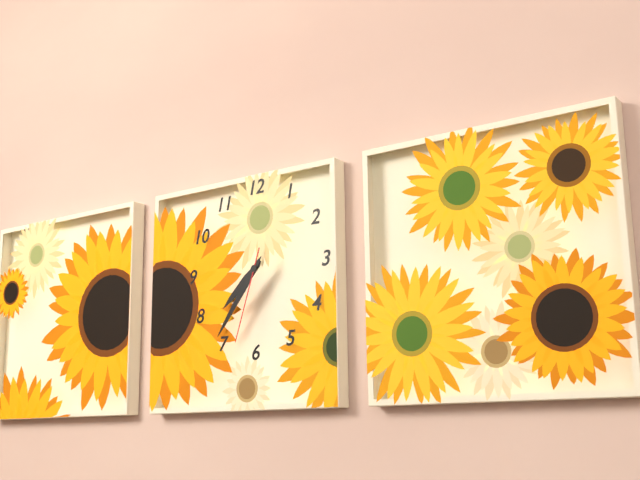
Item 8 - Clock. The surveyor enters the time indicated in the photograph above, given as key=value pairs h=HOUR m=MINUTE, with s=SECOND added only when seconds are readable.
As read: h=7 m=36 s=33
